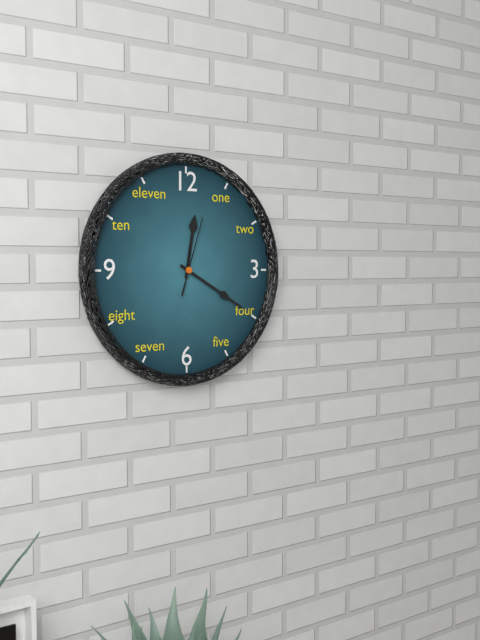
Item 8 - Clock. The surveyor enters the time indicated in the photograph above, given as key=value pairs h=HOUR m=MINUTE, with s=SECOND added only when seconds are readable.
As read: h=12 m=20 s=3
